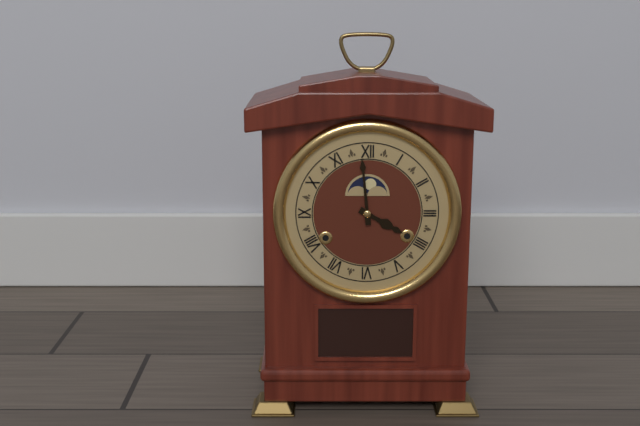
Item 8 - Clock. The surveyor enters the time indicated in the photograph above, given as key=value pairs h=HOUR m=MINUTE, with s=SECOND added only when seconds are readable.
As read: h=3 m=59
